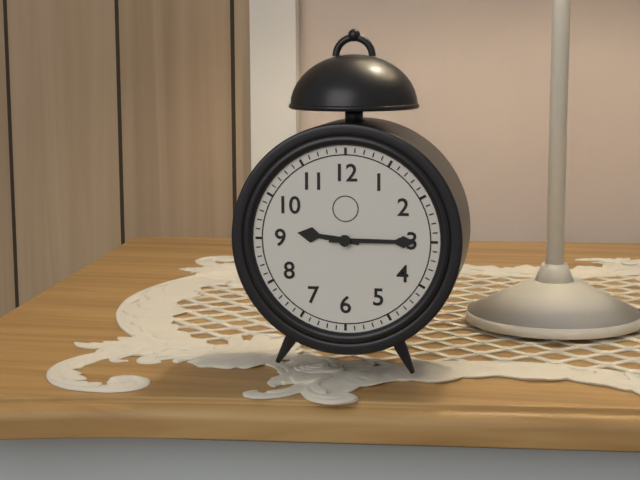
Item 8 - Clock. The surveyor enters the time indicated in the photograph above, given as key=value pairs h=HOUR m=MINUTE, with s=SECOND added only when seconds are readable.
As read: h=9 m=15
